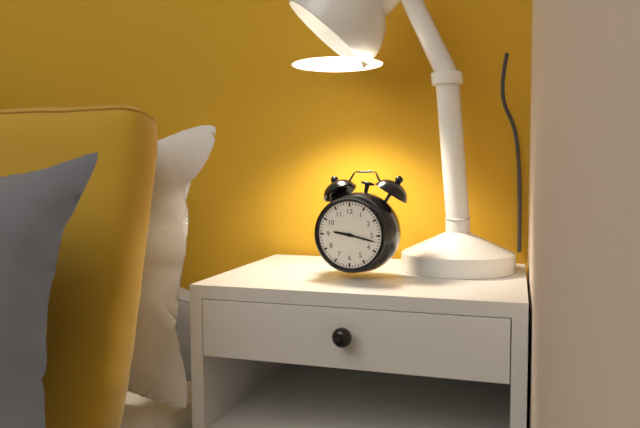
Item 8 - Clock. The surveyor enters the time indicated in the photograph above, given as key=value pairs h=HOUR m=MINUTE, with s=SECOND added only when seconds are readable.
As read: h=9 m=17
